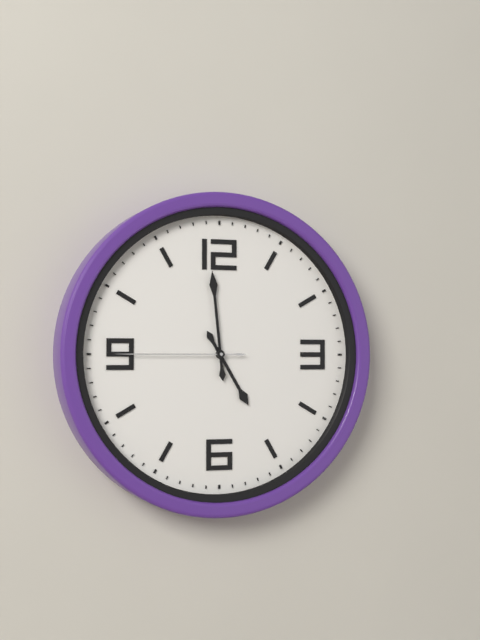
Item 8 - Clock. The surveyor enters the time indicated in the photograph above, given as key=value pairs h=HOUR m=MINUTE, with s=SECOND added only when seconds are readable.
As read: h=4 m=59 s=45
